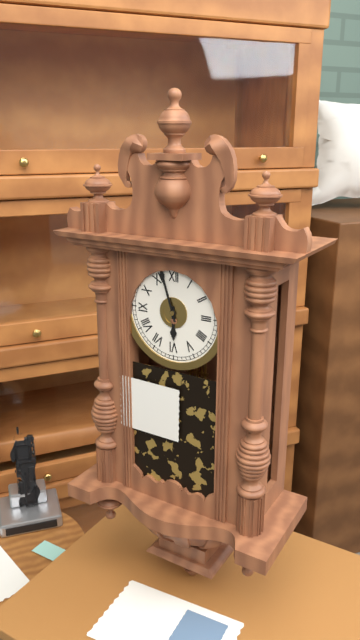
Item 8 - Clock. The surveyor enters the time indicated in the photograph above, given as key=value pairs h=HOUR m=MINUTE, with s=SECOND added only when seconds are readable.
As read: h=5 m=57
